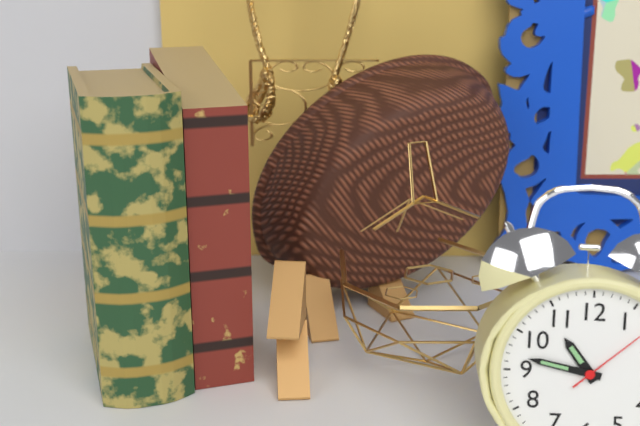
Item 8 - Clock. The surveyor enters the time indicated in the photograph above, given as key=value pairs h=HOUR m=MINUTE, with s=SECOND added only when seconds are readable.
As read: h=10 m=47
